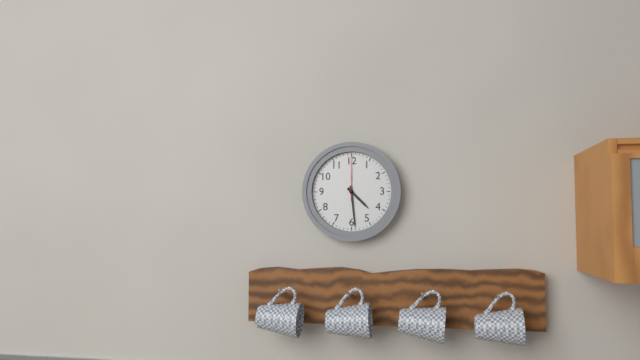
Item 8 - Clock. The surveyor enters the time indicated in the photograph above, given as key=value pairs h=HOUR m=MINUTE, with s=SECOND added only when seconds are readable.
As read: h=4 m=29
